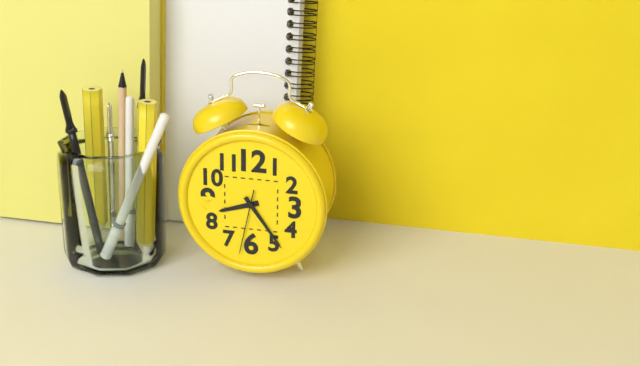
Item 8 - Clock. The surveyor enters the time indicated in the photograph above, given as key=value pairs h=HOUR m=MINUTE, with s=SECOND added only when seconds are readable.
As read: h=8 m=24 s=32
